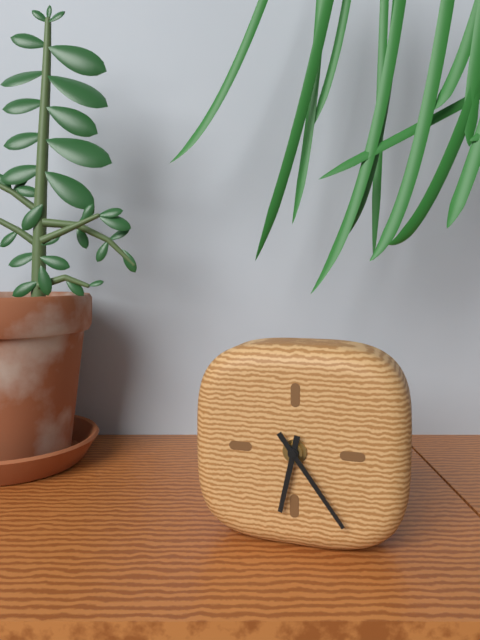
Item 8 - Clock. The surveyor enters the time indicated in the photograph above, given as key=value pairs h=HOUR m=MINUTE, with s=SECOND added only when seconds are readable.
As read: h=6 m=24
